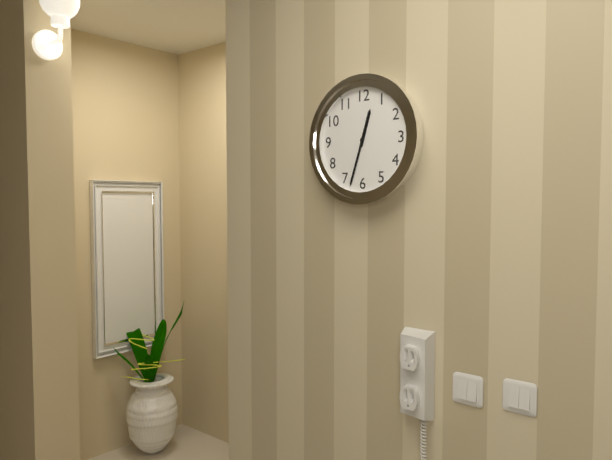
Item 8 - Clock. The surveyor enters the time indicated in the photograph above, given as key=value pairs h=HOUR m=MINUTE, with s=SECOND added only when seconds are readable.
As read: h=12 m=33
